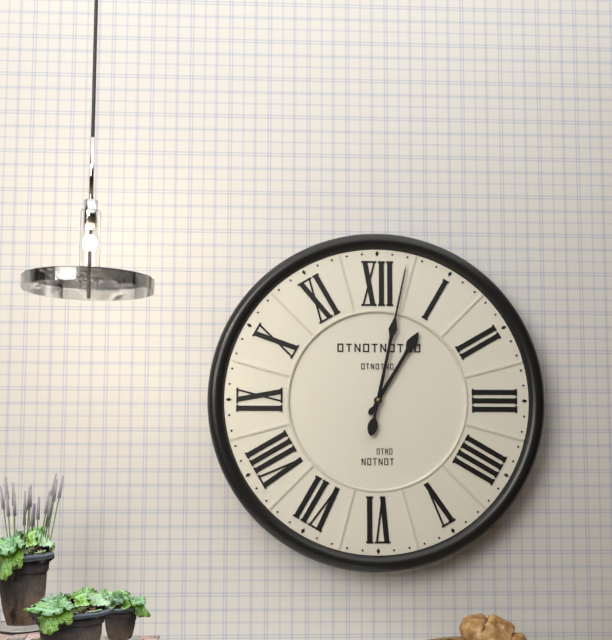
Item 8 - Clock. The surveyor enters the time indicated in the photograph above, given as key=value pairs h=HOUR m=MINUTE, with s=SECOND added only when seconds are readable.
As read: h=1 m=2
